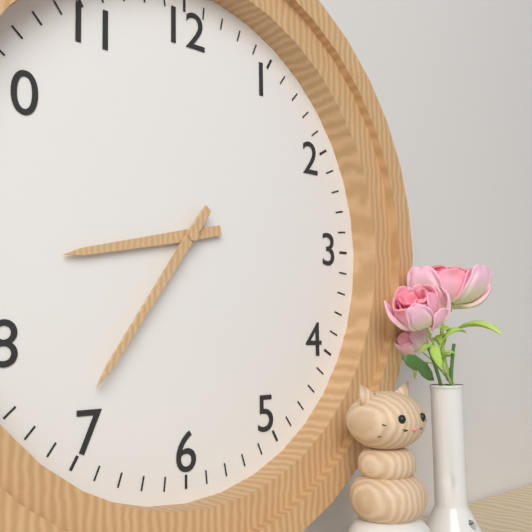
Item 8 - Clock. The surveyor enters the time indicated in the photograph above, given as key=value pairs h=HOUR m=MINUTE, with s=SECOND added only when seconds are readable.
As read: h=8 m=36
